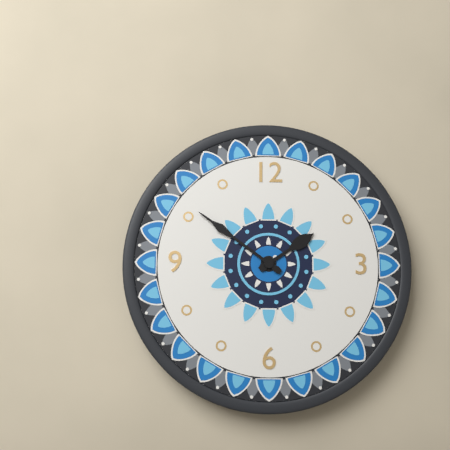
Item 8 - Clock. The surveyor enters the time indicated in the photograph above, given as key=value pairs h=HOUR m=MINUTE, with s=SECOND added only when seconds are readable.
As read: h=1 m=51
